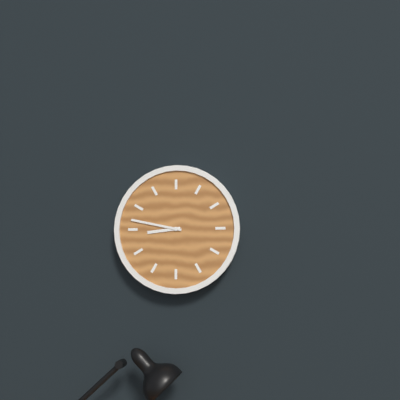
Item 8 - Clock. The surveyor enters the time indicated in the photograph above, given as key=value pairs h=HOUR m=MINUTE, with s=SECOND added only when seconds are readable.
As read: h=8 m=47
